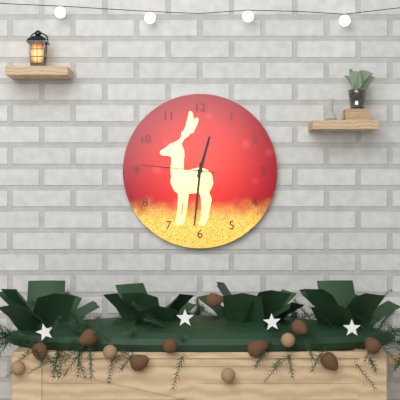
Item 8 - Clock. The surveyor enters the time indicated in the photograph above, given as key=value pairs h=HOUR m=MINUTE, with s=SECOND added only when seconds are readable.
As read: h=12 m=31 s=46
